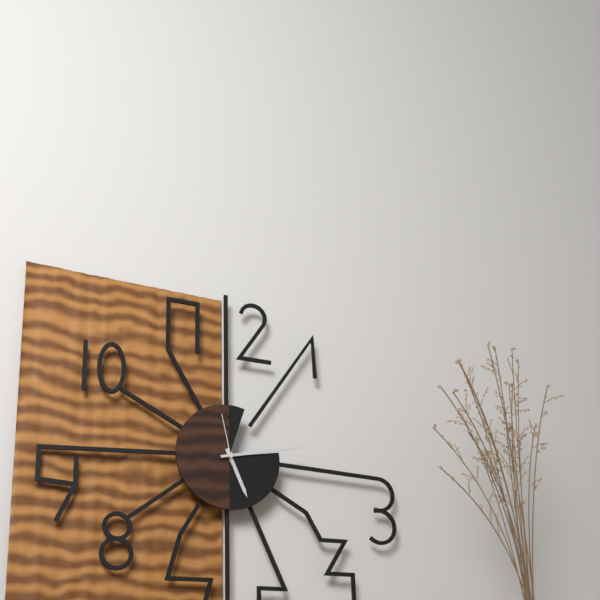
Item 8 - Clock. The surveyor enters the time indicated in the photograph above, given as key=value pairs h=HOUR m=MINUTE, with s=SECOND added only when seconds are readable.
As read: h=5 m=13 s=58
